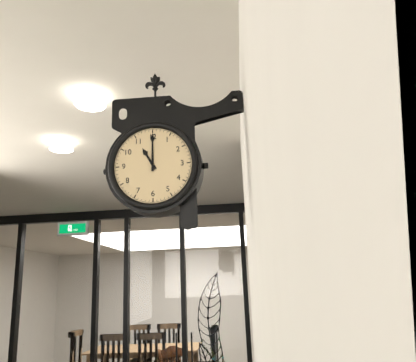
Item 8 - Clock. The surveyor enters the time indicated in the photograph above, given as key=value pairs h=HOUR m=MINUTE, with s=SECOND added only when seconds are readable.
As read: h=11 m=0
